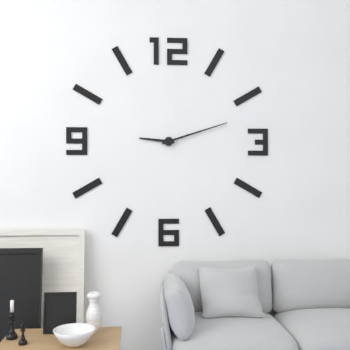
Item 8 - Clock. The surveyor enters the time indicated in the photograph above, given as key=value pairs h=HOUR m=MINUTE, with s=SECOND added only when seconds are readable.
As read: h=9 m=12
